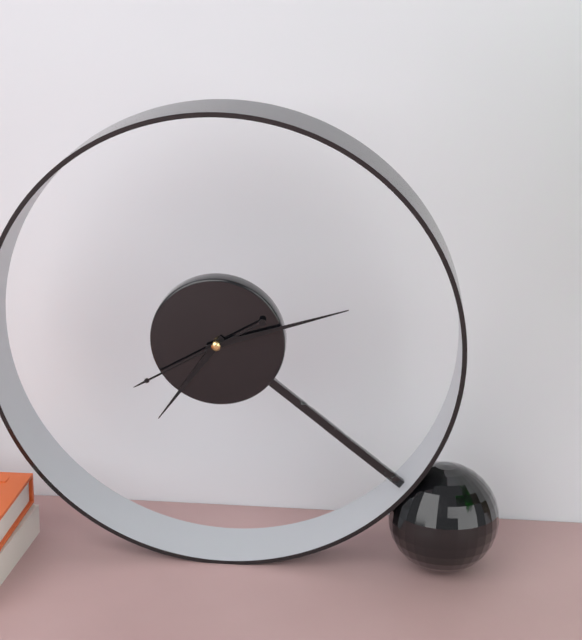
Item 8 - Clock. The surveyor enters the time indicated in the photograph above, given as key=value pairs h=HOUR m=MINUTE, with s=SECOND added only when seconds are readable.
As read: h=7 m=12 s=40
